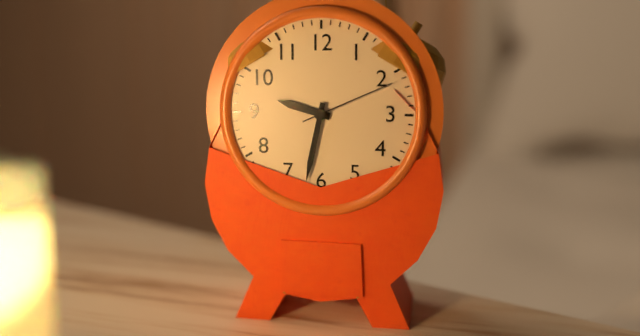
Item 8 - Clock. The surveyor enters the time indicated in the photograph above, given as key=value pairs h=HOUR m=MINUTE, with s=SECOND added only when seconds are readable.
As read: h=9 m=32 s=11
